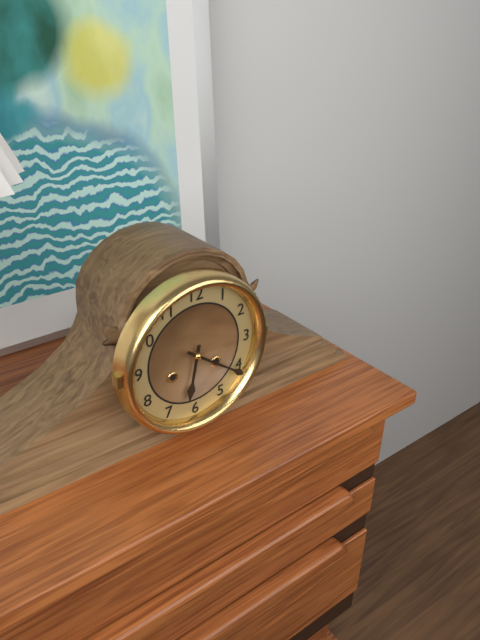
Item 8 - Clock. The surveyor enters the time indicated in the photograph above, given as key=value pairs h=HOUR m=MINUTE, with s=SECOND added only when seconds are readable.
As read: h=6 m=21
